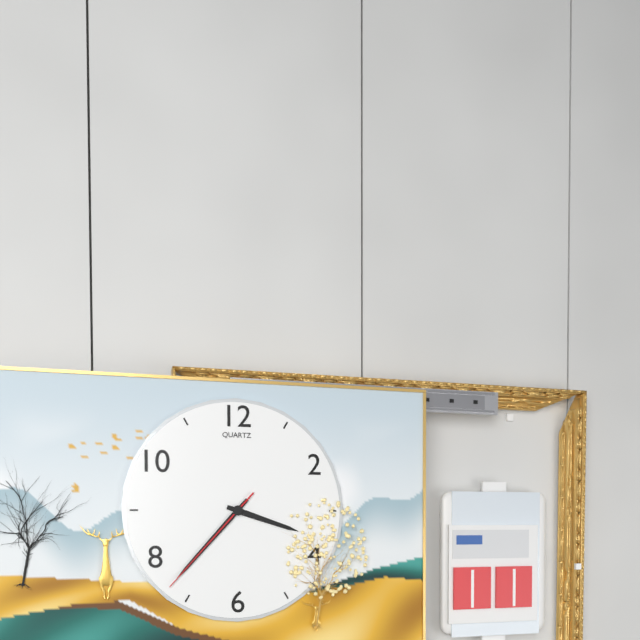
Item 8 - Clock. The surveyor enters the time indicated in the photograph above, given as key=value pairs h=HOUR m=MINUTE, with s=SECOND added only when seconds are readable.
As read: h=3 m=37 s=37
